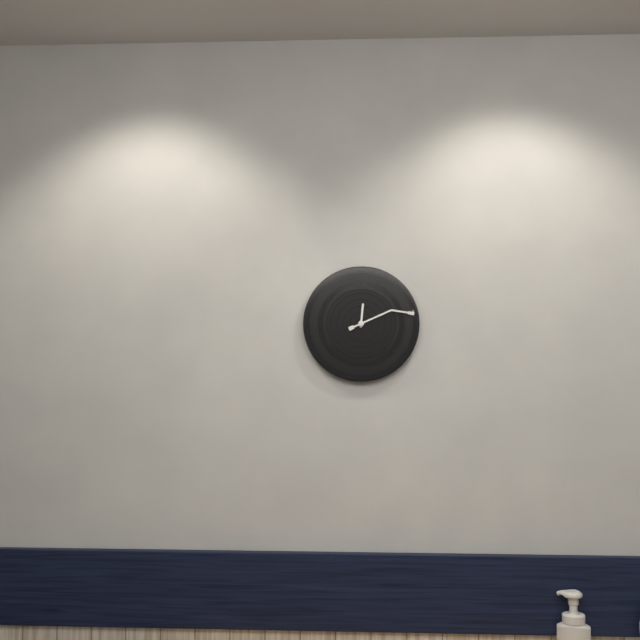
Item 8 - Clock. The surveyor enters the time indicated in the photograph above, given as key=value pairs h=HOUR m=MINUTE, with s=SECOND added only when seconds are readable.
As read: h=12 m=11
